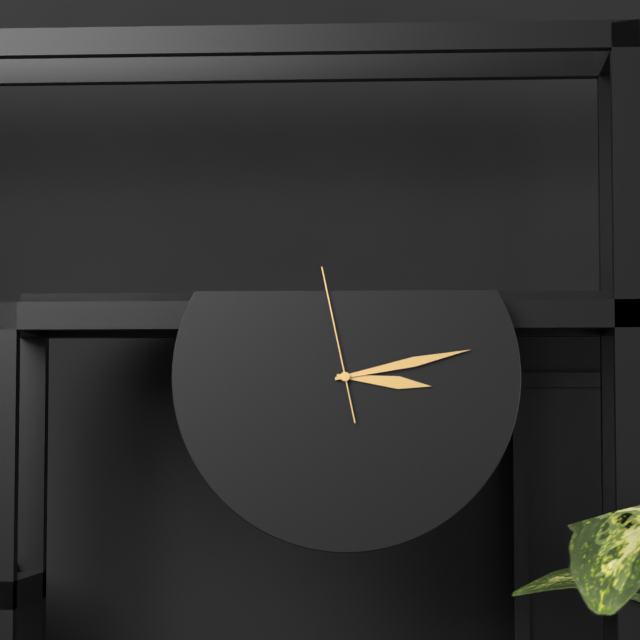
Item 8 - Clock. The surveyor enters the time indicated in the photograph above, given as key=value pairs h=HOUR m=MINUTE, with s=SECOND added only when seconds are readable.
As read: h=3 m=13 s=58
